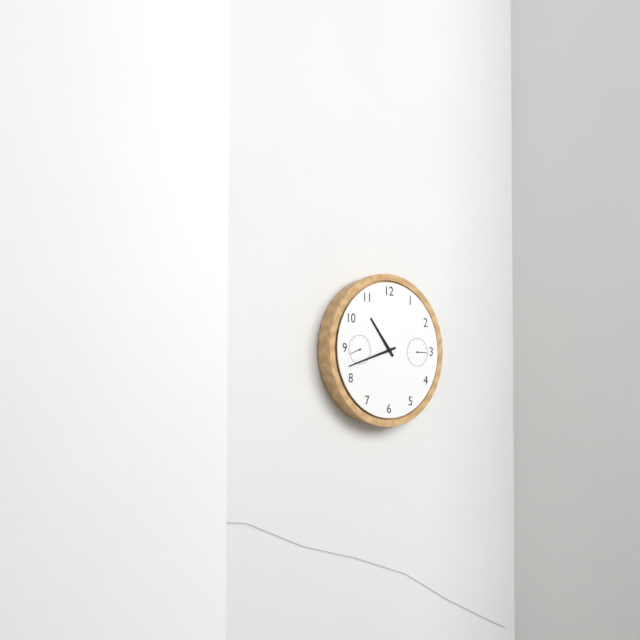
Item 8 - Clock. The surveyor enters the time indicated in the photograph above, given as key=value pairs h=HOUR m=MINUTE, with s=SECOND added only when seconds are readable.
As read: h=10 m=42
